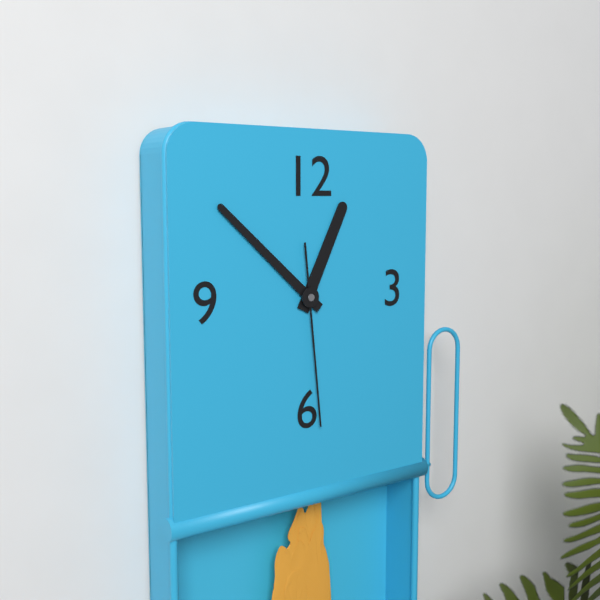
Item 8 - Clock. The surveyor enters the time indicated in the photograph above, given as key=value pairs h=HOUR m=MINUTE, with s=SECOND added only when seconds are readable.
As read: h=12 m=52 s=29
